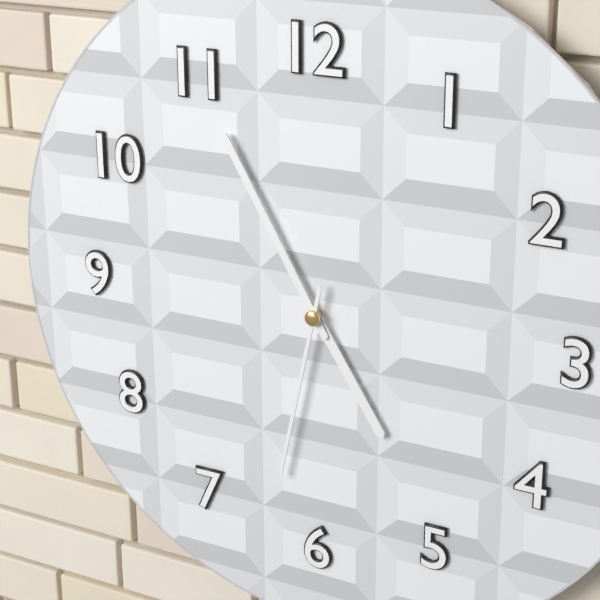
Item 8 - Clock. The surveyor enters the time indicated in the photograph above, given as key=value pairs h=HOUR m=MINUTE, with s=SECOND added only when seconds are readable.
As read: h=4 m=55 s=32
